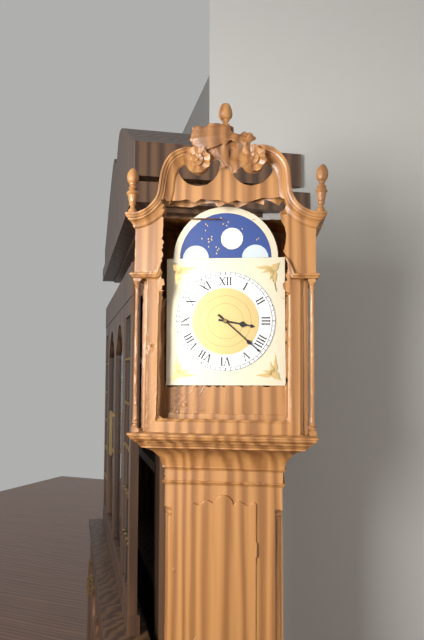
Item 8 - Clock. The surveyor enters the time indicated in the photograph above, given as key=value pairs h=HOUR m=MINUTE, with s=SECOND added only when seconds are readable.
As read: h=3 m=22
